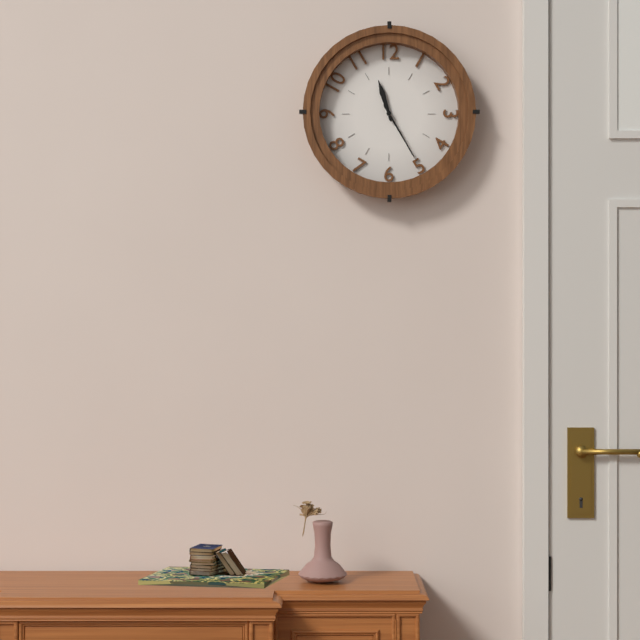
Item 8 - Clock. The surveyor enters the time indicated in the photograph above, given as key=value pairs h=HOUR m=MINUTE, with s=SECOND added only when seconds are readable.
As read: h=11 m=25
